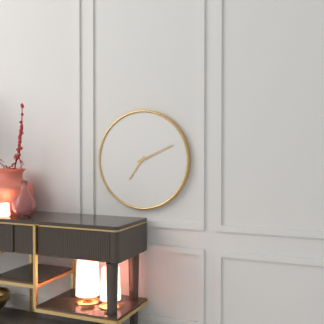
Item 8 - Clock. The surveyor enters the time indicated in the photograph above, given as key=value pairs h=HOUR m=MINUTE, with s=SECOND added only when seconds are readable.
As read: h=7 m=11
